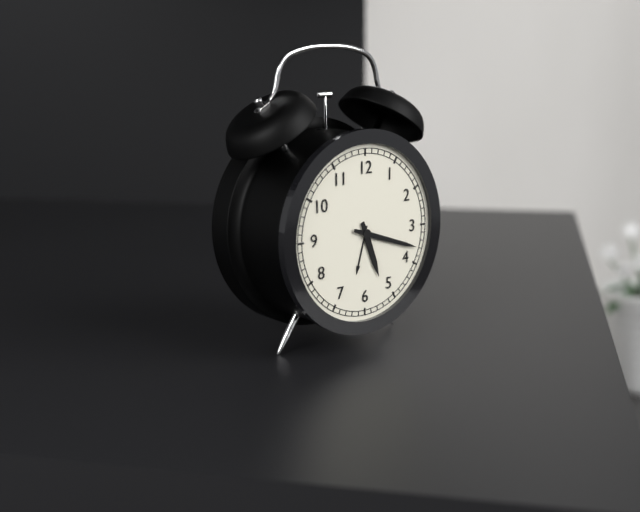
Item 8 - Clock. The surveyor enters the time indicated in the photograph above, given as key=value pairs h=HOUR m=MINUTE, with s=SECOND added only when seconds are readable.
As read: h=5 m=18
